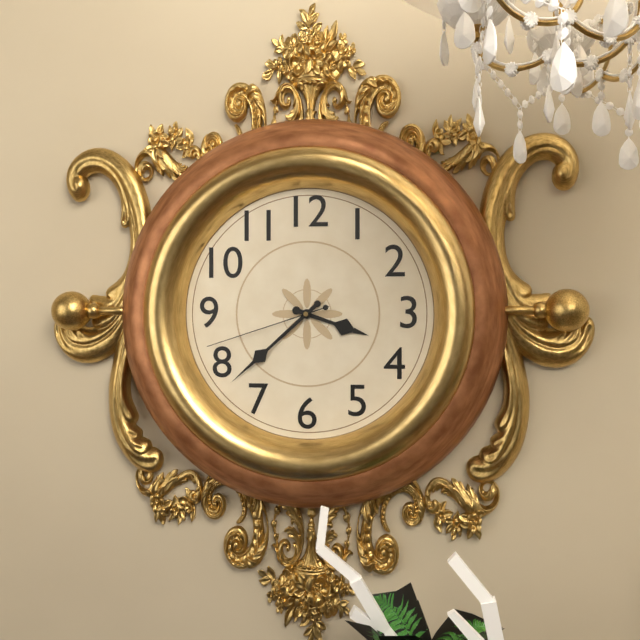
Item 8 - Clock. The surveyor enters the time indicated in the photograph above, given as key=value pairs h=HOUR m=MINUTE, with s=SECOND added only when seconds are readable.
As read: h=3 m=38 s=42
